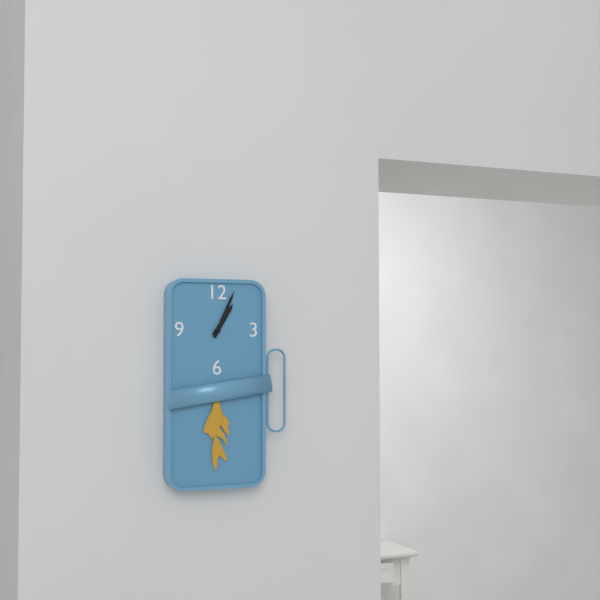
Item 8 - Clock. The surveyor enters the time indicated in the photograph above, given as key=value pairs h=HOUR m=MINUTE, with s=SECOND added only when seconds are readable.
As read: h=1 m=4
